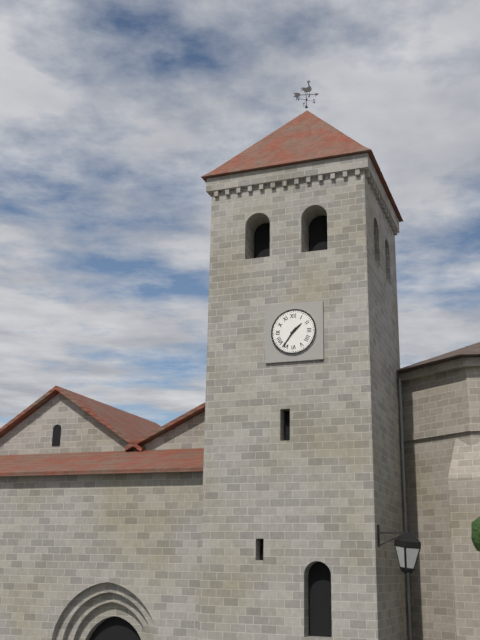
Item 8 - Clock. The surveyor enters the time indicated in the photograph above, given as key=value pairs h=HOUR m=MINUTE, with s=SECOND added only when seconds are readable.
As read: h=1 m=36
